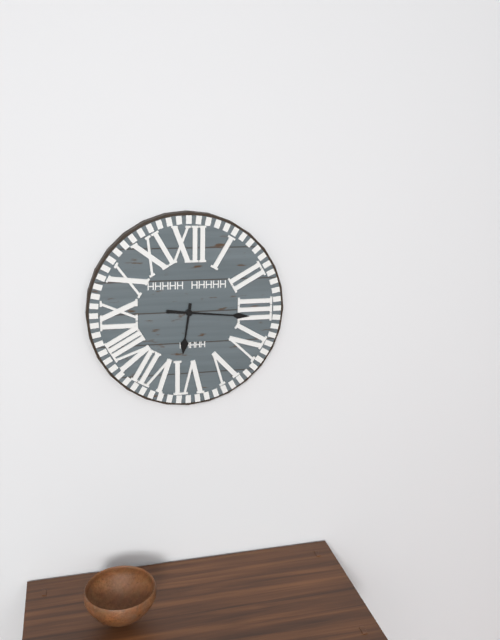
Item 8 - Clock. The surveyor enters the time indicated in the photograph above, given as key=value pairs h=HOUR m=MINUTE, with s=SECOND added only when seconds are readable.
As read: h=6 m=16
